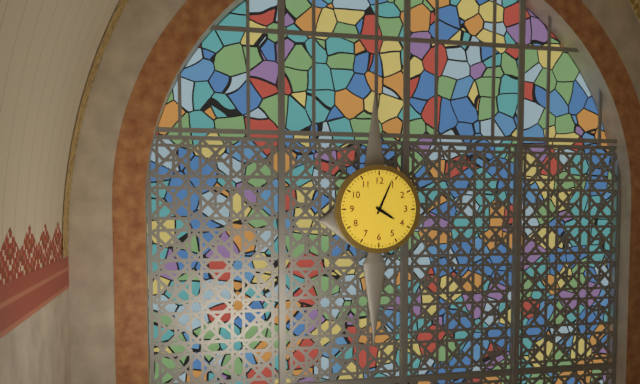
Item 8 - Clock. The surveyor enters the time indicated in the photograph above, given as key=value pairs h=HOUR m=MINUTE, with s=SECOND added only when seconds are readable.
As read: h=4 m=4
